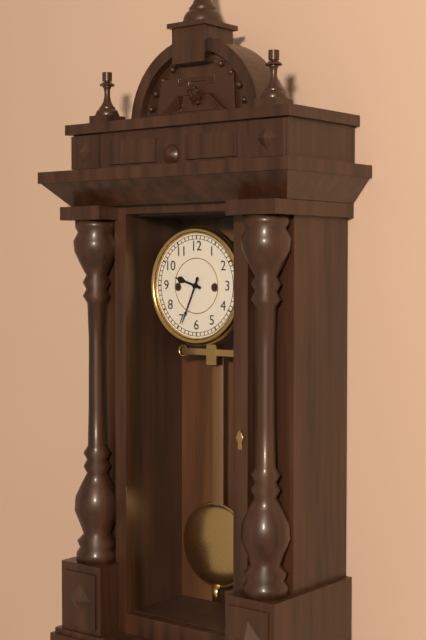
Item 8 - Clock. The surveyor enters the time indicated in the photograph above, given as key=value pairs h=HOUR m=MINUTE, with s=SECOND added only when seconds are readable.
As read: h=9 m=34
